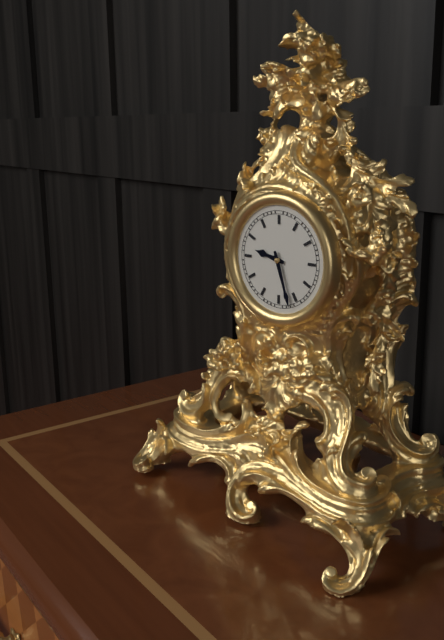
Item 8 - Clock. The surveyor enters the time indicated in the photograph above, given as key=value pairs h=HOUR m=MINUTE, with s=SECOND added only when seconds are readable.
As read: h=9 m=27
